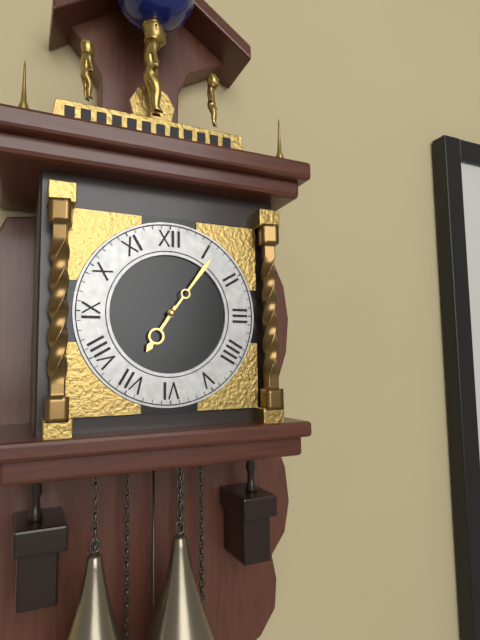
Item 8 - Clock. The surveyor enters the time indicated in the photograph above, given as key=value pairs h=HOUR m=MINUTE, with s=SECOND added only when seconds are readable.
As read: h=7 m=6
